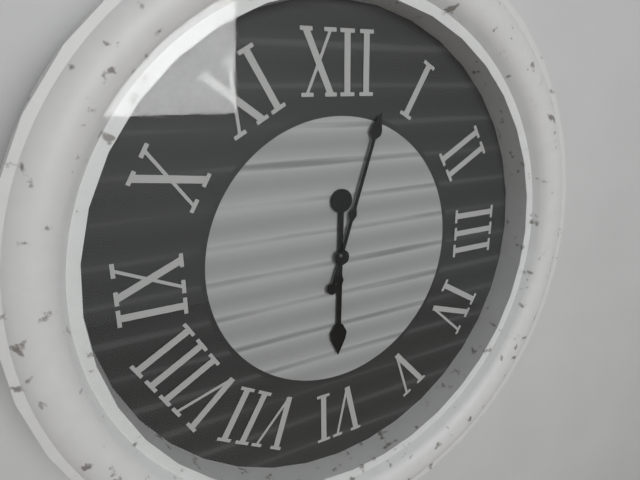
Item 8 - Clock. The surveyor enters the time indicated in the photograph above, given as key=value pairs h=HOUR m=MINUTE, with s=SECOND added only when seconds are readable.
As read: h=6 m=3
